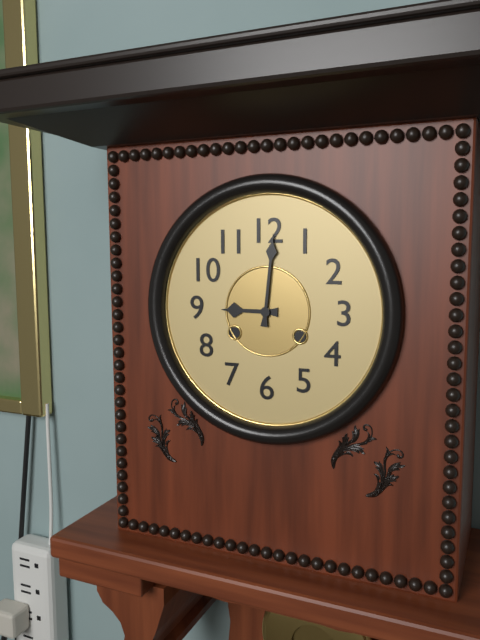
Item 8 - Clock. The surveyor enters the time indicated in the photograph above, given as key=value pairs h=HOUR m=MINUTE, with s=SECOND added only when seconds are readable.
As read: h=9 m=1
